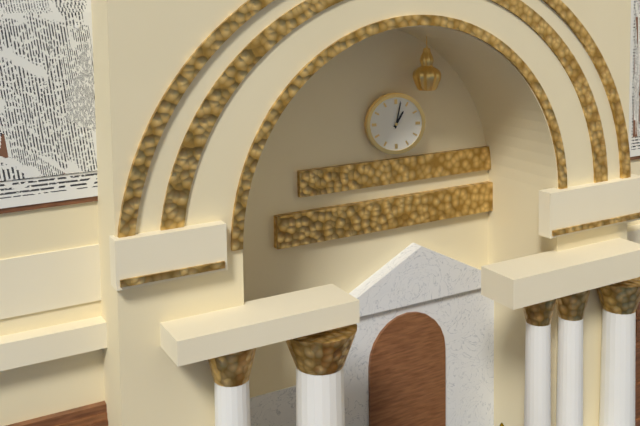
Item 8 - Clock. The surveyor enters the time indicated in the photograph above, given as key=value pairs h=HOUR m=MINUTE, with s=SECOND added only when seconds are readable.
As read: h=1 m=2
